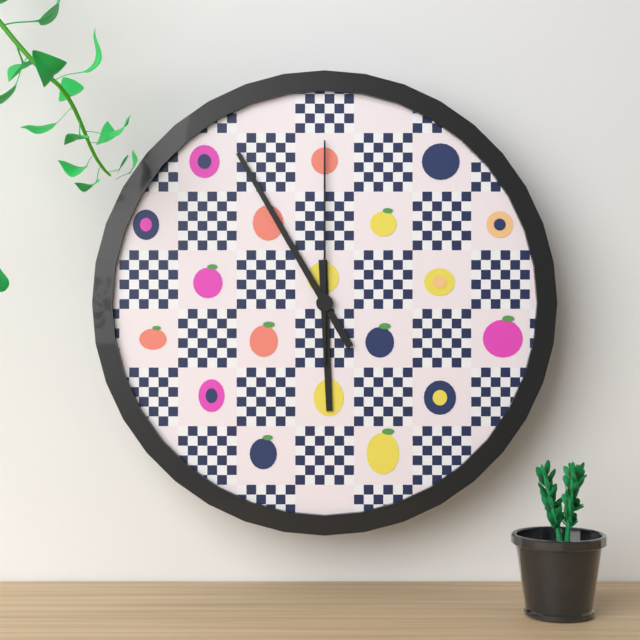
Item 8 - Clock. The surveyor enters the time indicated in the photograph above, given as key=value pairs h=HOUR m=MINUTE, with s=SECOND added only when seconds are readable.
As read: h=5 m=55 s=0
